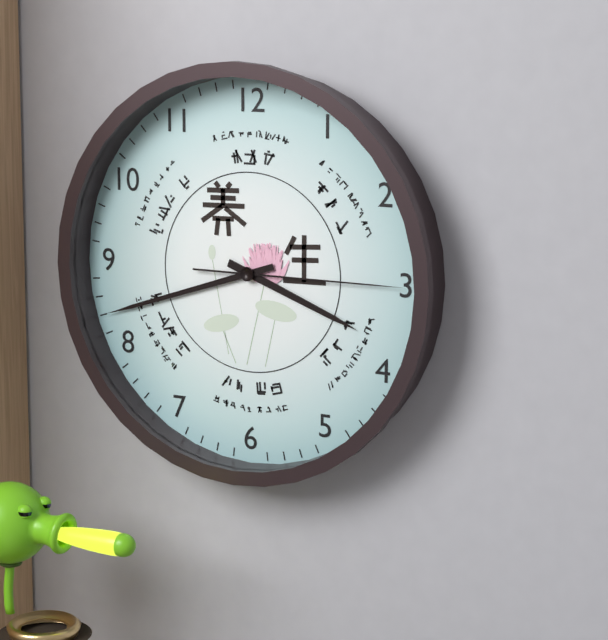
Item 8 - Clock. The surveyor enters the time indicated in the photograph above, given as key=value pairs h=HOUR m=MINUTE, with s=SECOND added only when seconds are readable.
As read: h=3 m=42 s=15
